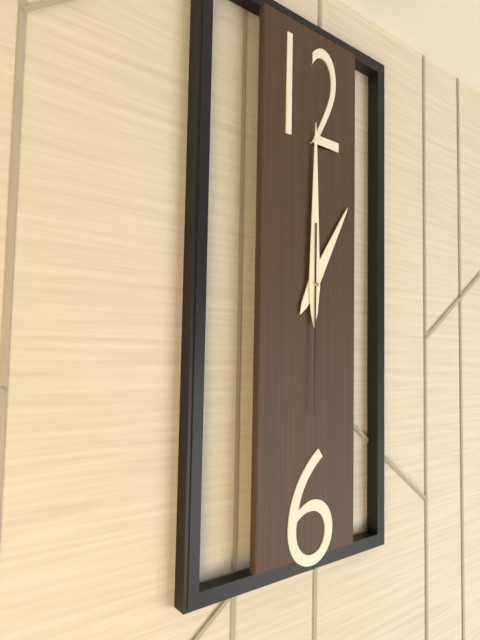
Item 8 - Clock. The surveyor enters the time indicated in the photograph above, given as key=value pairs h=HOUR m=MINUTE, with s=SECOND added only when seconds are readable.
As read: h=1 m=0 s=30
